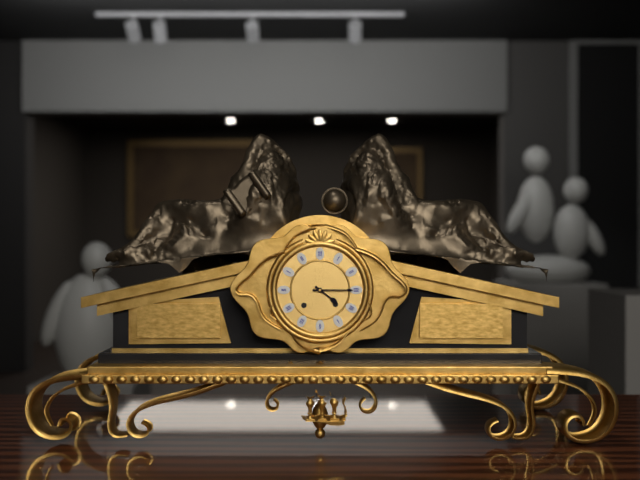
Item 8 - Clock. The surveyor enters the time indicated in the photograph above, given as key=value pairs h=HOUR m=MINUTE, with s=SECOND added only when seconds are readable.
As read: h=4 m=15
